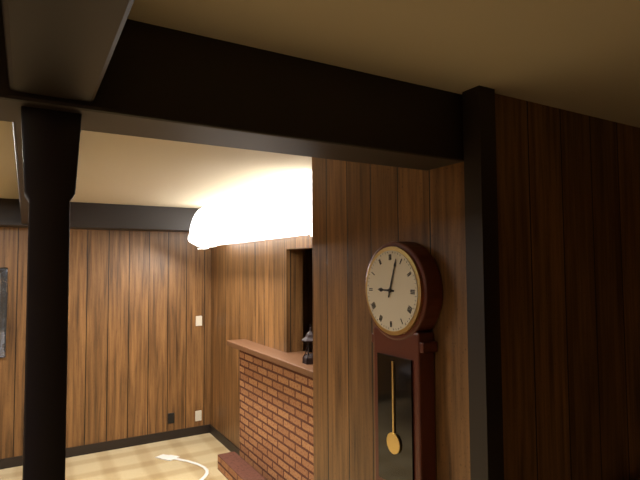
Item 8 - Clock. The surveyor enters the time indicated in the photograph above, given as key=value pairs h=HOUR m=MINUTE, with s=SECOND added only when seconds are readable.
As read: h=9 m=3
